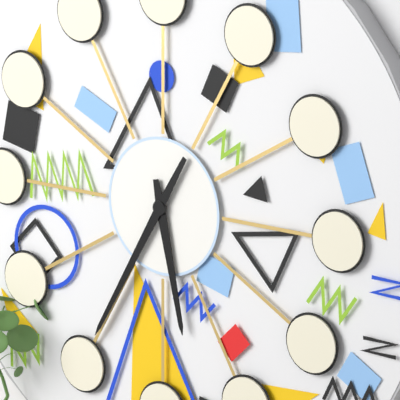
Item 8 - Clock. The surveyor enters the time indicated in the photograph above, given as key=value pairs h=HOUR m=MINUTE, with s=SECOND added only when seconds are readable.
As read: h=5 m=35
